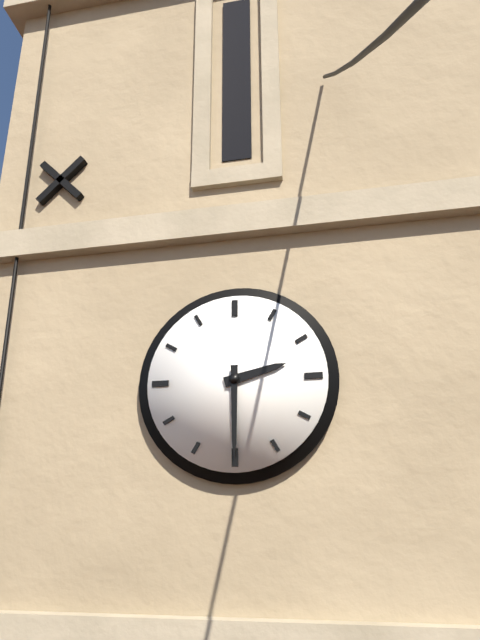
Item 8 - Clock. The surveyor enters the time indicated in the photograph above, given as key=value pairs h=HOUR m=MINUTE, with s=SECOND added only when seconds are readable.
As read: h=2 m=30
